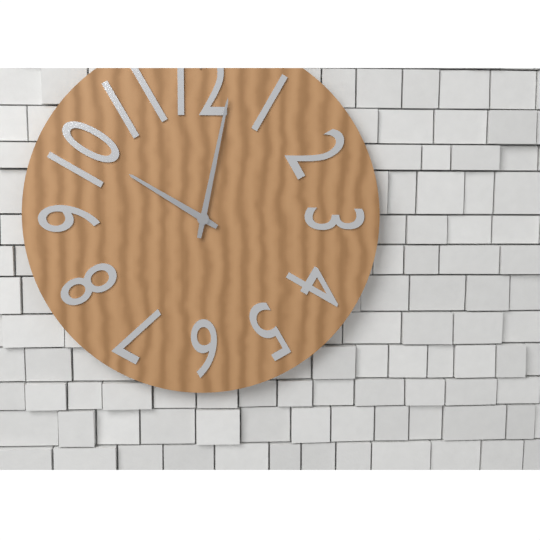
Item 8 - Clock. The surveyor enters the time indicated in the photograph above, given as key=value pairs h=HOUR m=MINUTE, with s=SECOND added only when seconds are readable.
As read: h=10 m=2
